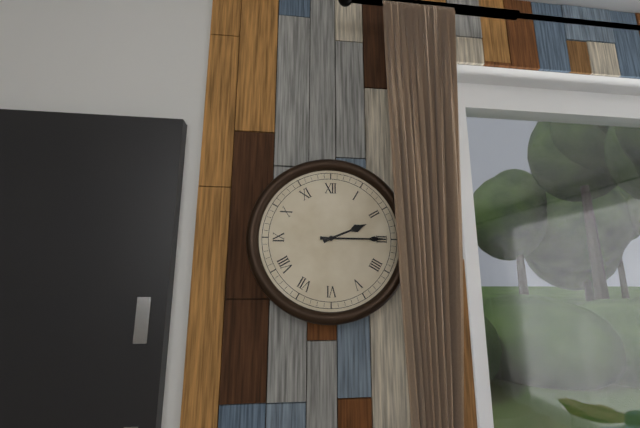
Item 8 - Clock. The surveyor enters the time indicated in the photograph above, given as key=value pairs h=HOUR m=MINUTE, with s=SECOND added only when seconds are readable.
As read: h=2 m=15
